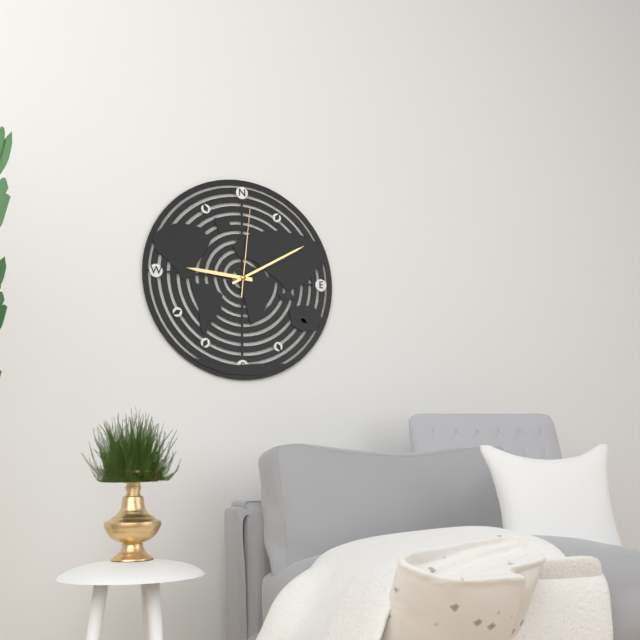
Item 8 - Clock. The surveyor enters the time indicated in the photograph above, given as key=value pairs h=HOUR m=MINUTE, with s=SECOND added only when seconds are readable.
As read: h=9 m=10 s=1
